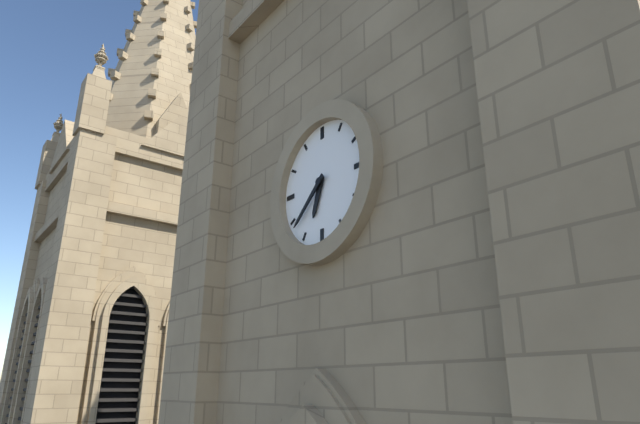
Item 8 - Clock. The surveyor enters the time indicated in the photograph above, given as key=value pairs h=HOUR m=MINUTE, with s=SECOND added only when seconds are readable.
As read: h=6 m=38
